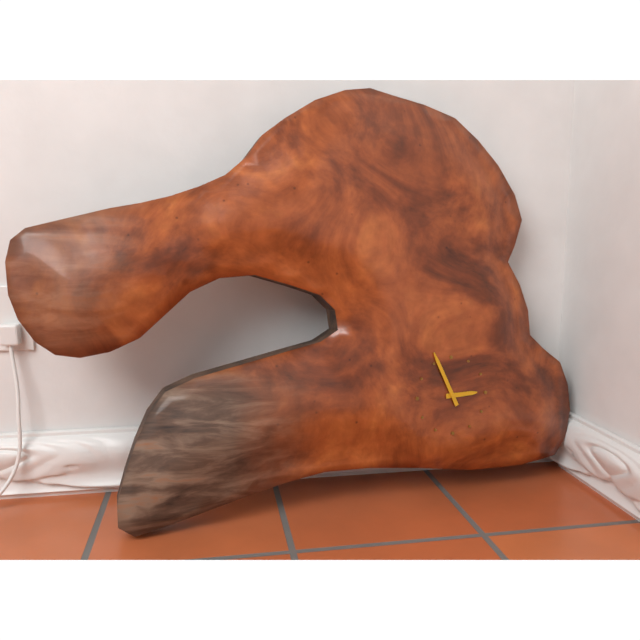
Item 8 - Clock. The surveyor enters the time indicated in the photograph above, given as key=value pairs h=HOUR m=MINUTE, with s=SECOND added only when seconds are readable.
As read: h=2 m=56
